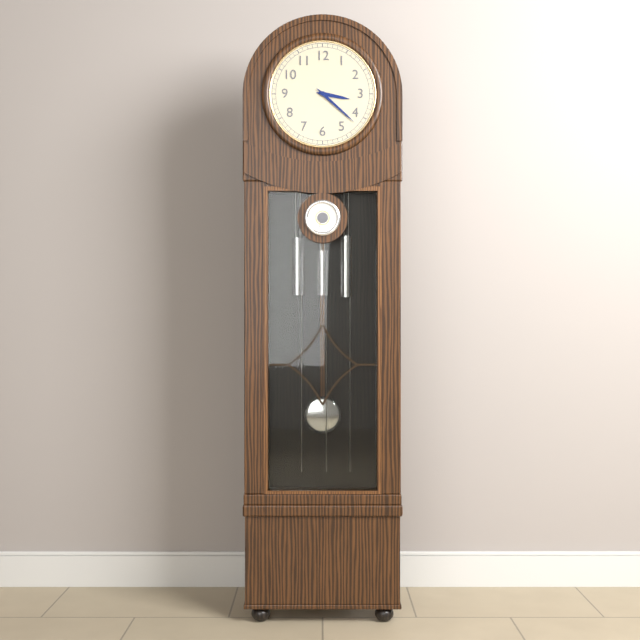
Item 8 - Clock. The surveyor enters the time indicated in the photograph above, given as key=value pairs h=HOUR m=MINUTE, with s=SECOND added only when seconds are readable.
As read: h=3 m=22
